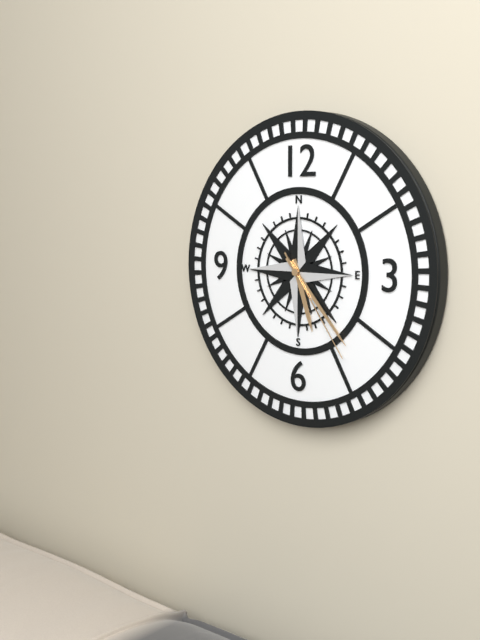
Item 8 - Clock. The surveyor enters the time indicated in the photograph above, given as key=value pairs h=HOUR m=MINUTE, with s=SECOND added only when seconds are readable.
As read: h=5 m=23 s=24
